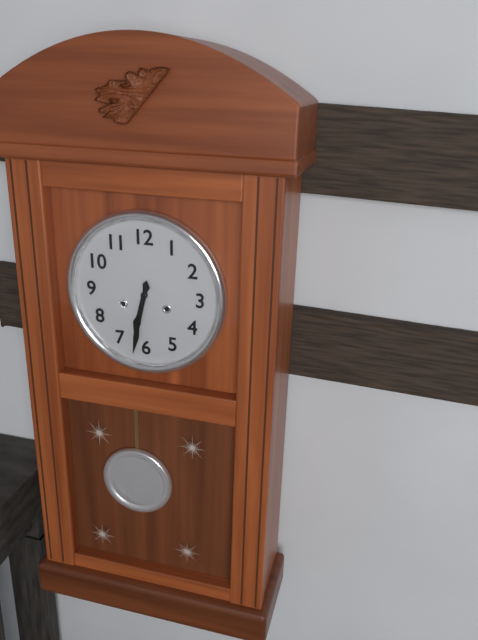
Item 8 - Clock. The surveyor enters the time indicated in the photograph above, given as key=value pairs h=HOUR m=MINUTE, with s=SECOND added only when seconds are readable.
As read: h=6 m=32
